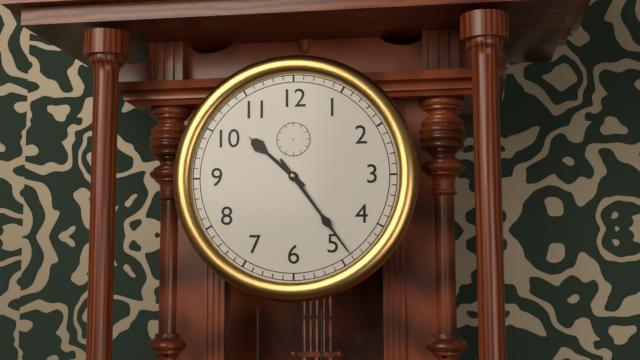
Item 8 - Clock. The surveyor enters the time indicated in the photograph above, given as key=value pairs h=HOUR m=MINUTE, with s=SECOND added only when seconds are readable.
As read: h=10 m=24
